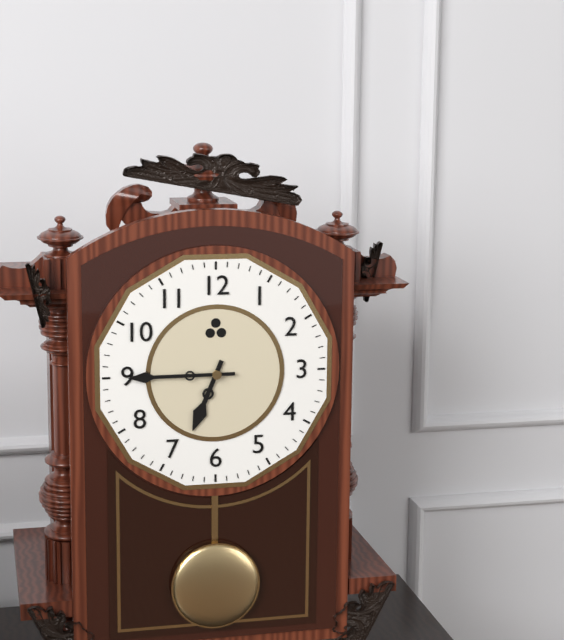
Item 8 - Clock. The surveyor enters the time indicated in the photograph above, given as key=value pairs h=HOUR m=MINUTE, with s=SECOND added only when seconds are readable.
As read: h=6 m=45
